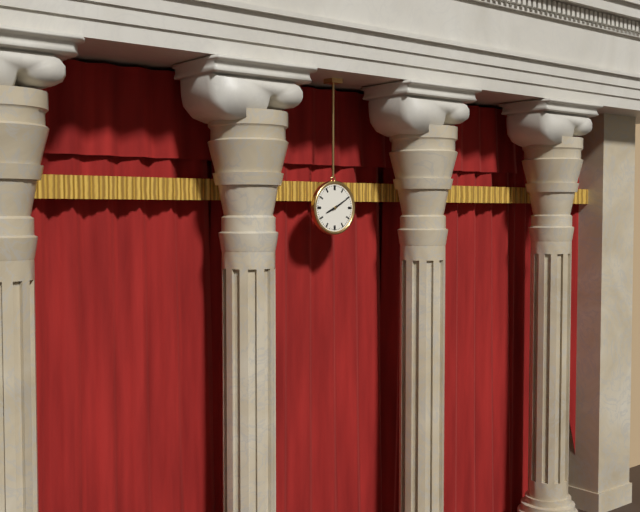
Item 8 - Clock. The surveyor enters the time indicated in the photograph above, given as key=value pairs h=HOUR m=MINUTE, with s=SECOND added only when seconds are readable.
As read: h=8 m=10
